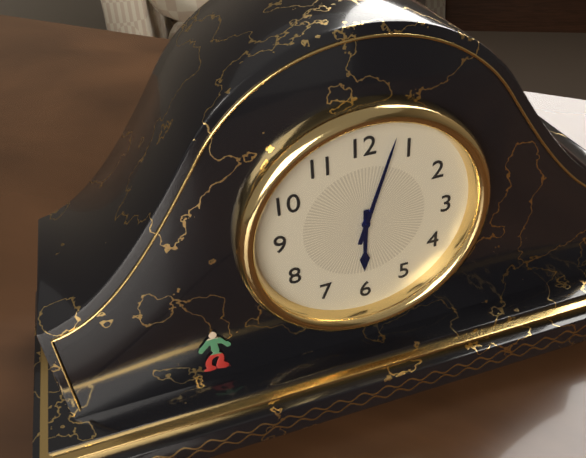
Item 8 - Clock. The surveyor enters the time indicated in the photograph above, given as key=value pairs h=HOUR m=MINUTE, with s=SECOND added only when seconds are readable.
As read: h=6 m=3
